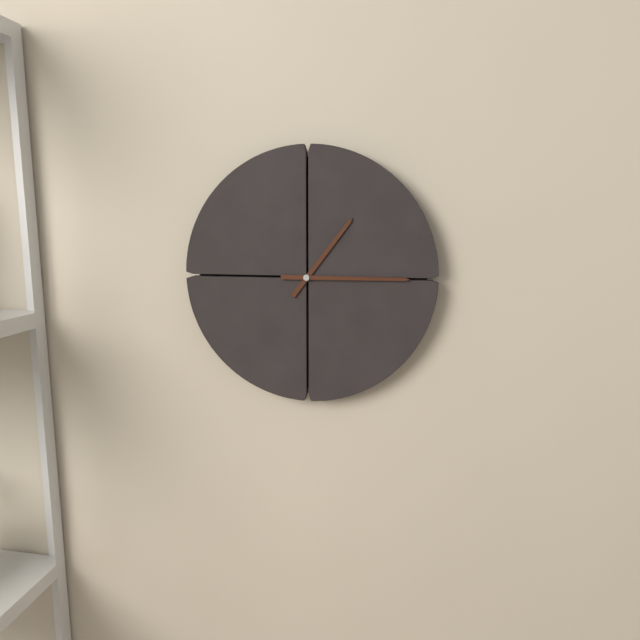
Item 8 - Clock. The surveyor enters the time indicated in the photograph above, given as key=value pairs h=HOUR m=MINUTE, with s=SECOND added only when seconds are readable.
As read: h=1 m=15
